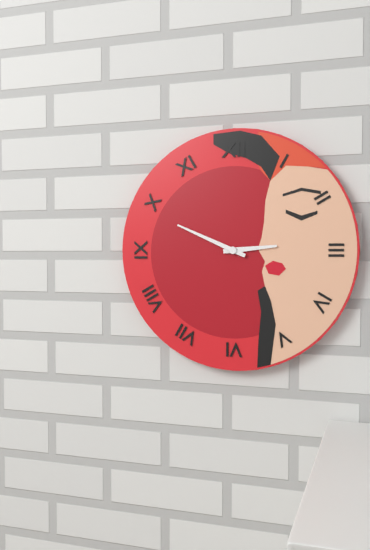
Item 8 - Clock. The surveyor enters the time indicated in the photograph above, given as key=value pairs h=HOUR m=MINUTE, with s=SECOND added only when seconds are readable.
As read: h=2 m=49
